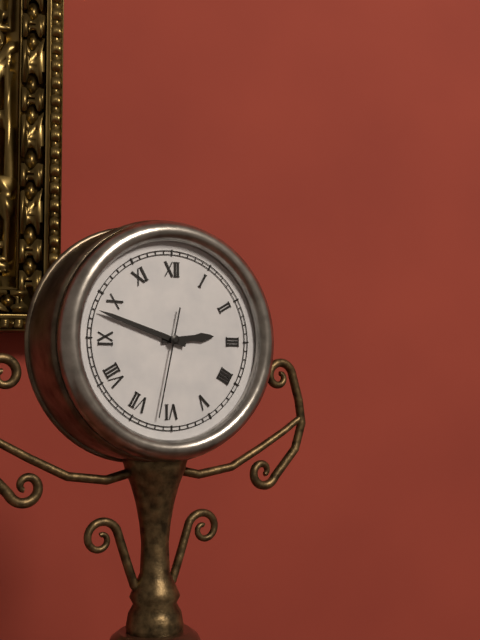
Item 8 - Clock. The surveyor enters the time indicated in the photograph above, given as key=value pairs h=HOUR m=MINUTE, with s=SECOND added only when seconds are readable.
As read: h=2 m=48 s=32
